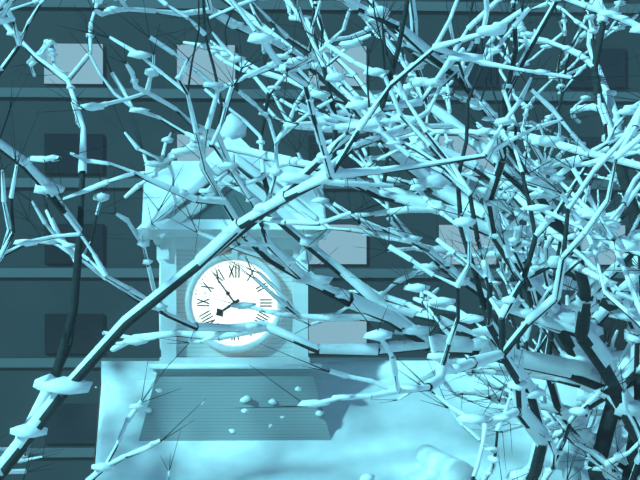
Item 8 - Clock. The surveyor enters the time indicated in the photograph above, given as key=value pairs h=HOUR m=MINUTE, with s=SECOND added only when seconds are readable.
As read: h=7 m=54
